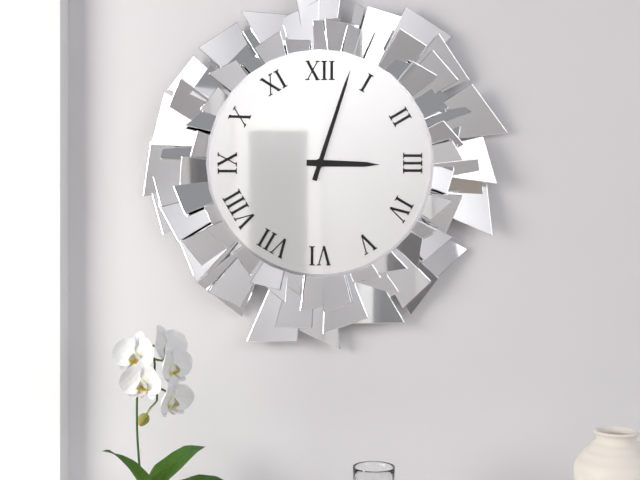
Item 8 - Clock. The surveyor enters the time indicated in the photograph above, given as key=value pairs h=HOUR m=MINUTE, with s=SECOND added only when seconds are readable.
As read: h=3 m=3
